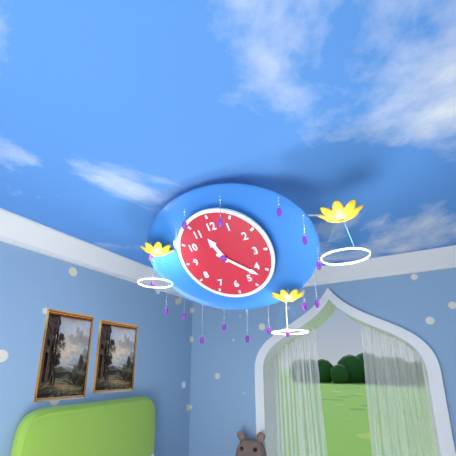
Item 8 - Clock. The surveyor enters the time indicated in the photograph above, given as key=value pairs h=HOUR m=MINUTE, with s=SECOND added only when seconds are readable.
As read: h=11 m=22
